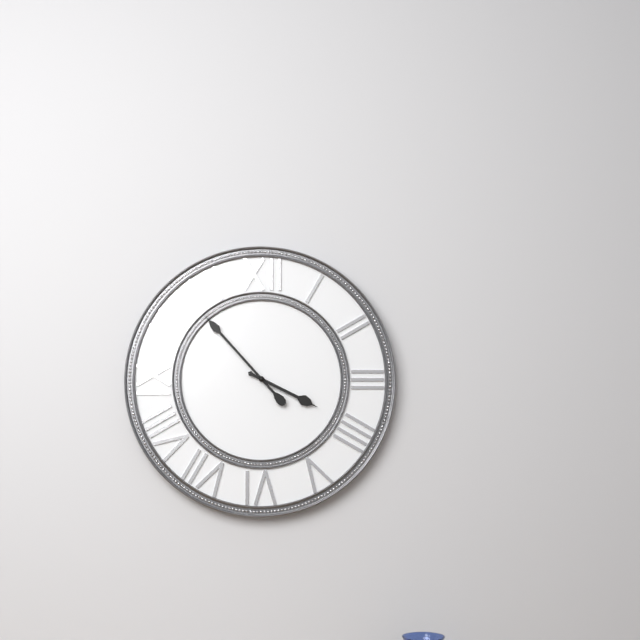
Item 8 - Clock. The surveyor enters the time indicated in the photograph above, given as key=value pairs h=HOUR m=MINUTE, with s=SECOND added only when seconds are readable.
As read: h=3 m=53
